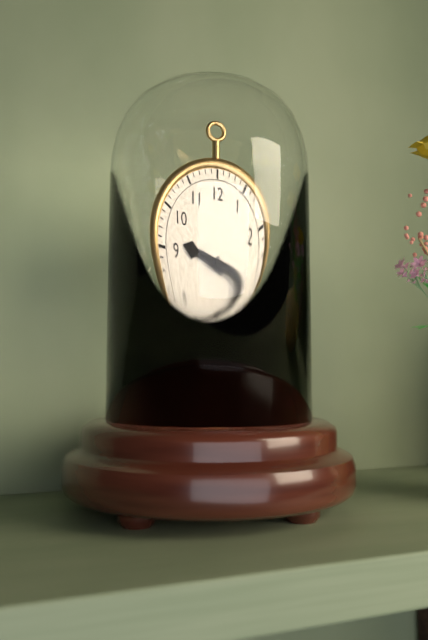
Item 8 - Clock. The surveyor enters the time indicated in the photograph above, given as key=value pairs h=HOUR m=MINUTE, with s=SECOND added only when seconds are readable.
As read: h=9 m=15
